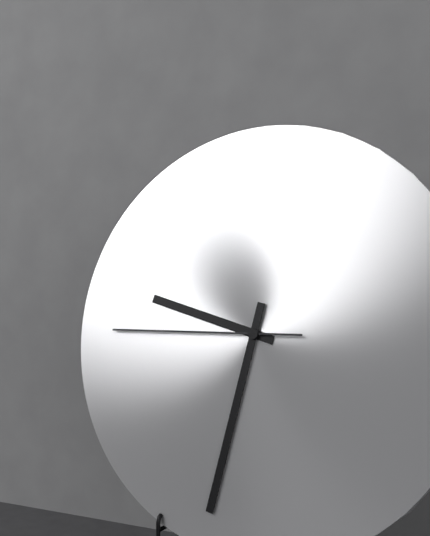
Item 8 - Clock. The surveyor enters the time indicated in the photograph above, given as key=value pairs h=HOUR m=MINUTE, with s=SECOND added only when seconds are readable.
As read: h=9 m=32 s=45
